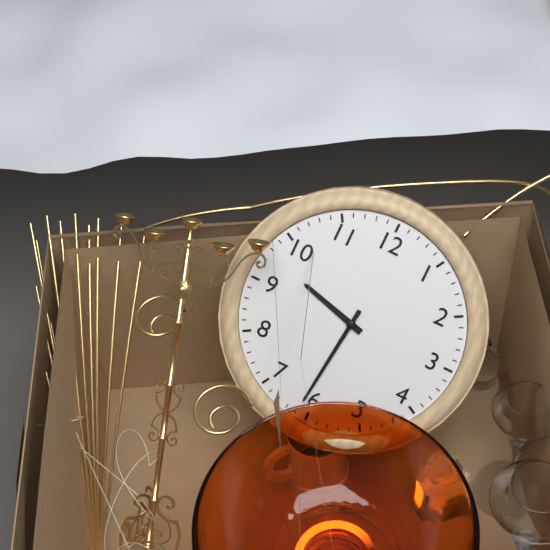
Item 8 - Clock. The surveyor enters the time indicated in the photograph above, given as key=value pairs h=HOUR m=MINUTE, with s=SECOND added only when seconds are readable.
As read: h=9 m=31
